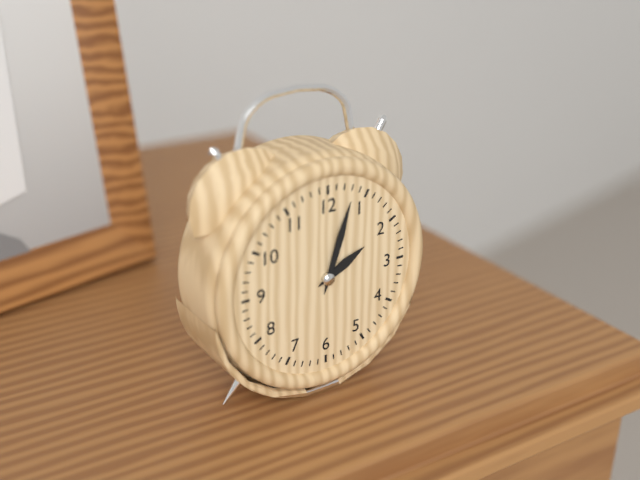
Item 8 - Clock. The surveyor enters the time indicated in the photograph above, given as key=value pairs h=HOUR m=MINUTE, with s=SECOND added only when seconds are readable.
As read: h=2 m=3
